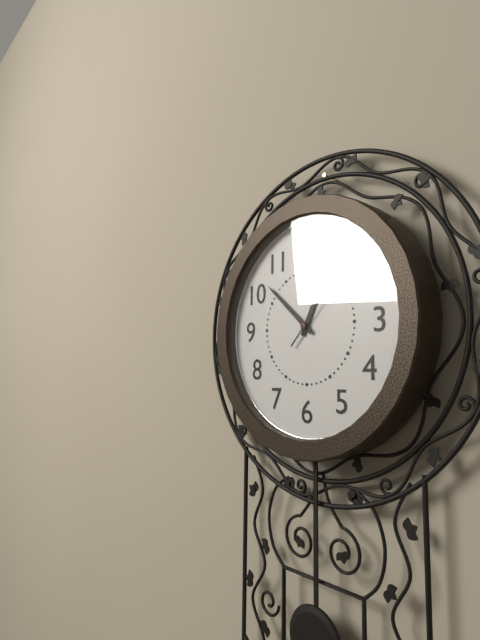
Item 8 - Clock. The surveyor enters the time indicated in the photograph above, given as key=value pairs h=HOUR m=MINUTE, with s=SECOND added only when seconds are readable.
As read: h=12 m=52 s=7
